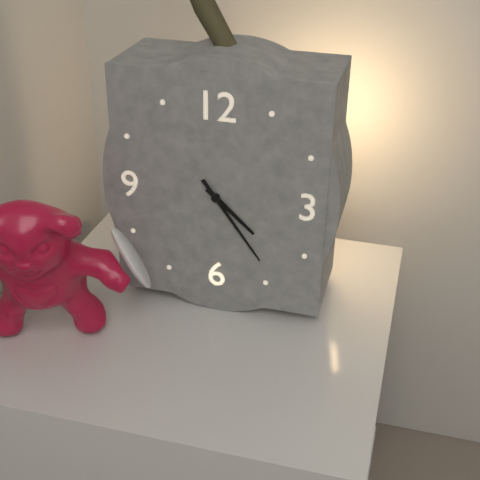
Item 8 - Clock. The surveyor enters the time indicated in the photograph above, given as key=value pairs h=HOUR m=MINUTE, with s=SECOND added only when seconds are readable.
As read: h=4 m=24
